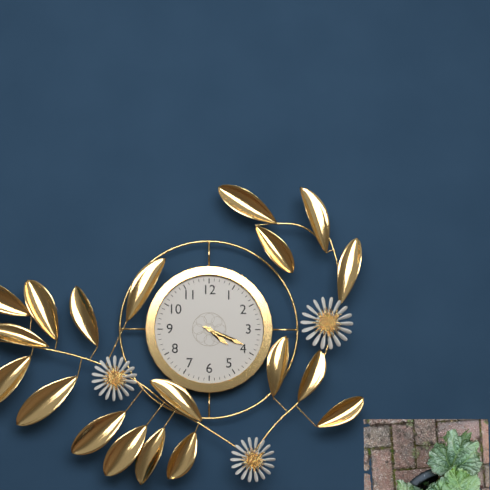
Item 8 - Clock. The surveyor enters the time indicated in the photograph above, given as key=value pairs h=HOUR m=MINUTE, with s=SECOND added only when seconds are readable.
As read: h=4 m=19
